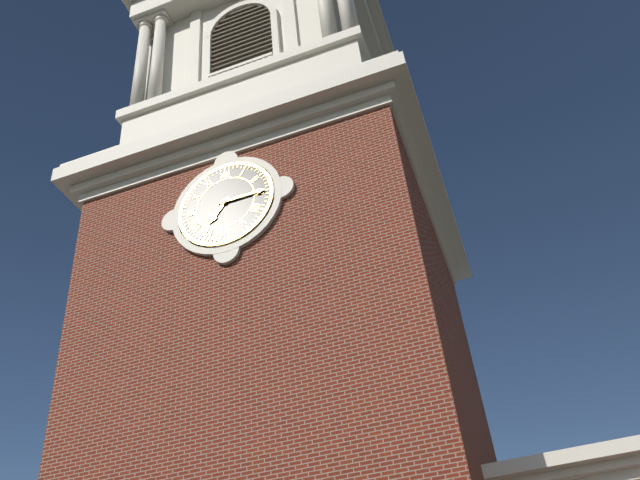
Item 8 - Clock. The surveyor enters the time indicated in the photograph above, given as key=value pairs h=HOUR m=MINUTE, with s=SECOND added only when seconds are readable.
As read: h=7 m=15
